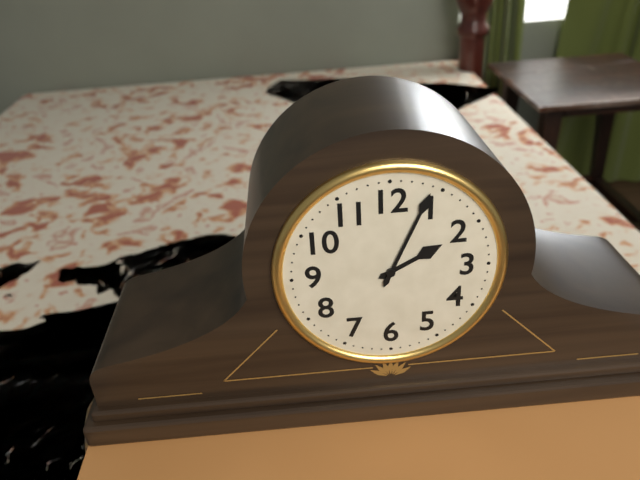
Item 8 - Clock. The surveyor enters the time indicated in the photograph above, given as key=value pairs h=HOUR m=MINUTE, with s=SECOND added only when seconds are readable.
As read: h=2 m=4
